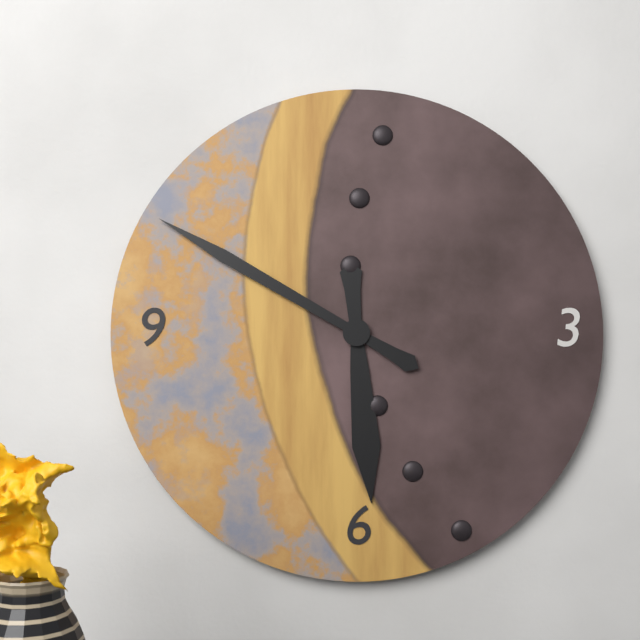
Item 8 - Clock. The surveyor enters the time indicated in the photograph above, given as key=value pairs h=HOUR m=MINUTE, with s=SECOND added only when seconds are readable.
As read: h=5 m=50
